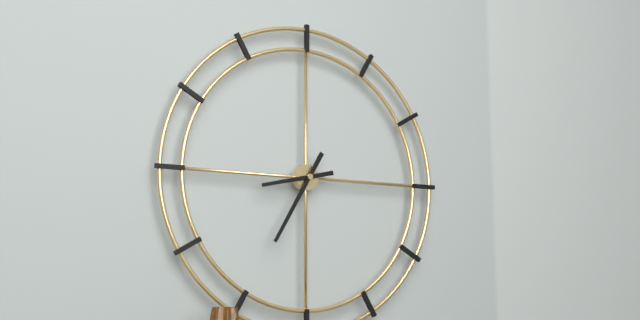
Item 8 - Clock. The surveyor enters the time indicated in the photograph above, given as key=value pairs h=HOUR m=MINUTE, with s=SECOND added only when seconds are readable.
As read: h=8 m=35
